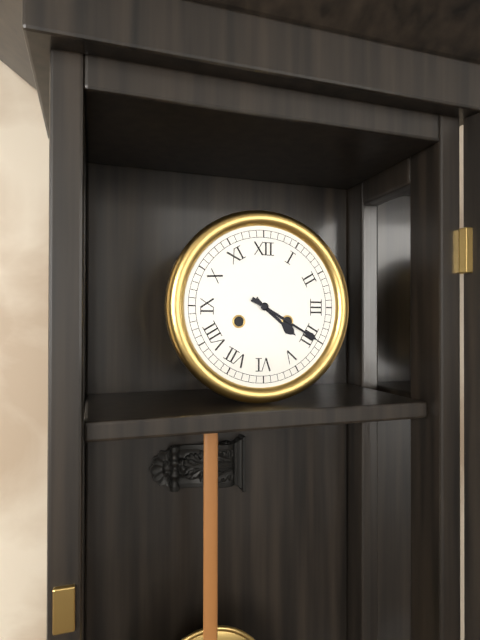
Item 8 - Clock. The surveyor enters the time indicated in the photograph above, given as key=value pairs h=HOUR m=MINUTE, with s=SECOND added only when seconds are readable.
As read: h=4 m=20
